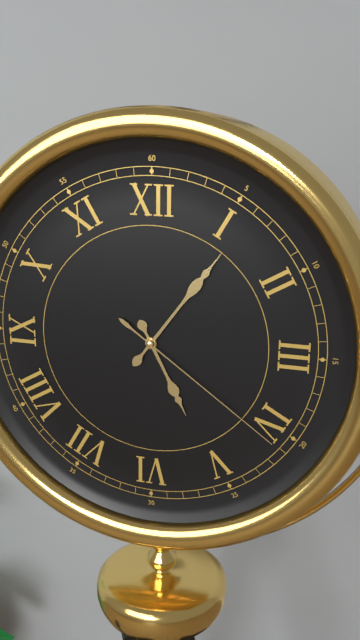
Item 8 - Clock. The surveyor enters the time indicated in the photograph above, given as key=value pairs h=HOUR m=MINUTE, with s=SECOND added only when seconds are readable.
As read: h=5 m=6 s=21
